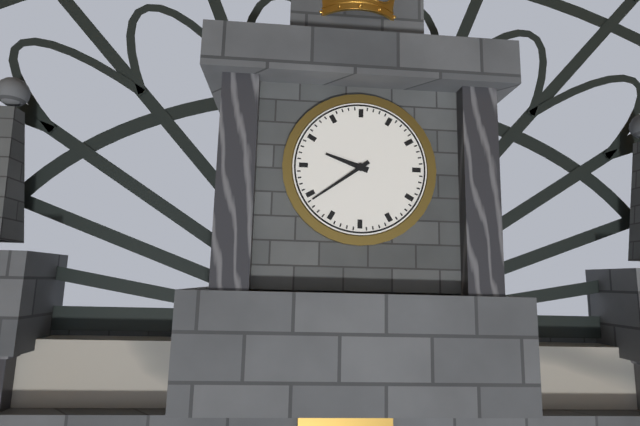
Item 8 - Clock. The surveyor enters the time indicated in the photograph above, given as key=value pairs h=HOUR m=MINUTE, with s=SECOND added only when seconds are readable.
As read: h=9 m=39
